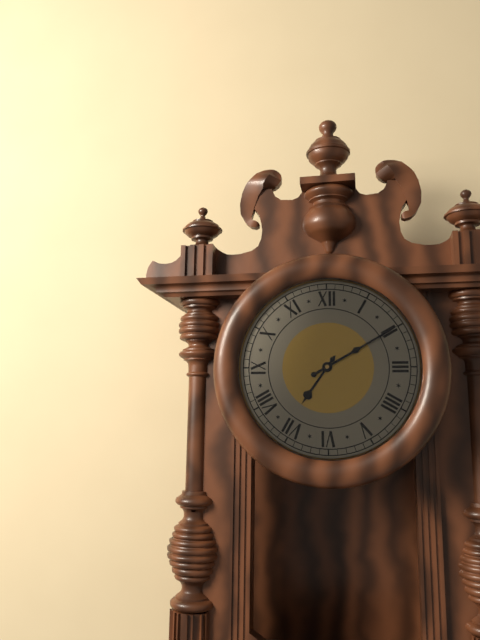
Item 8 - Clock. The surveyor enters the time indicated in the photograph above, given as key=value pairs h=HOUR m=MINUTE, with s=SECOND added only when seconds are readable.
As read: h=7 m=10
